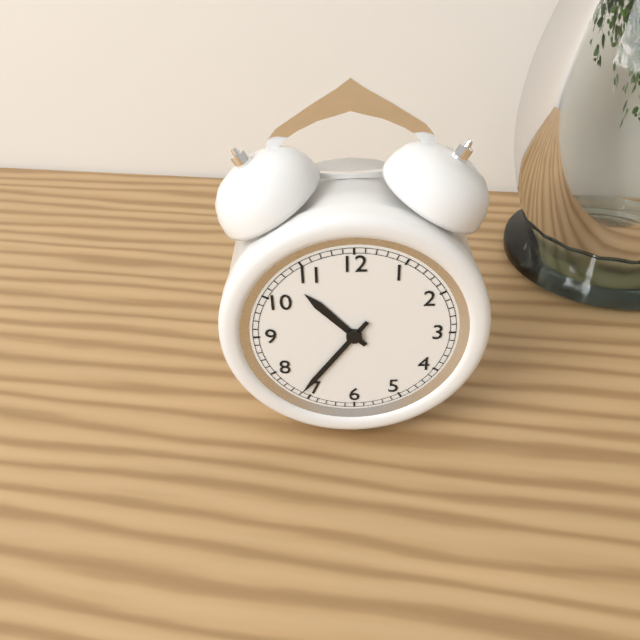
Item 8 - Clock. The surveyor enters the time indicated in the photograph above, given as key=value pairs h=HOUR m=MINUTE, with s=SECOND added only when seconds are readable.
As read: h=10 m=36
